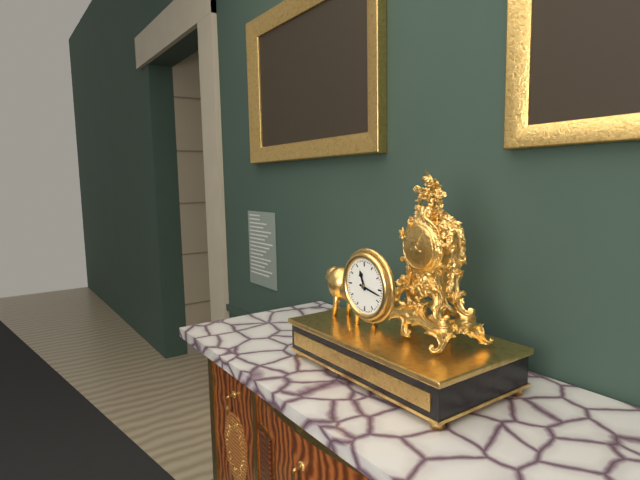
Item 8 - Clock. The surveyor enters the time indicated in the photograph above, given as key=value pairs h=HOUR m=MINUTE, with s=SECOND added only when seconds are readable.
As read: h=11 m=17
